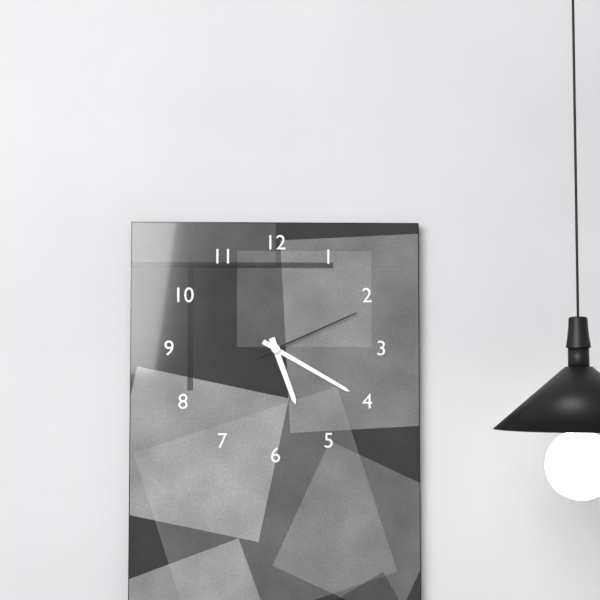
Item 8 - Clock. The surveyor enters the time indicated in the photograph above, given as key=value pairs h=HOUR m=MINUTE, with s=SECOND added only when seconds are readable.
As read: h=5 m=20 s=11
